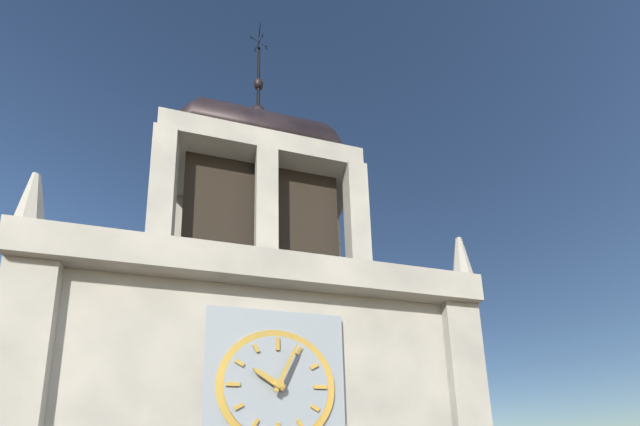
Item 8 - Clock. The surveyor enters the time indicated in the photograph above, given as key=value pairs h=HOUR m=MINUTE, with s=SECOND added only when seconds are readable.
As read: h=10 m=4
